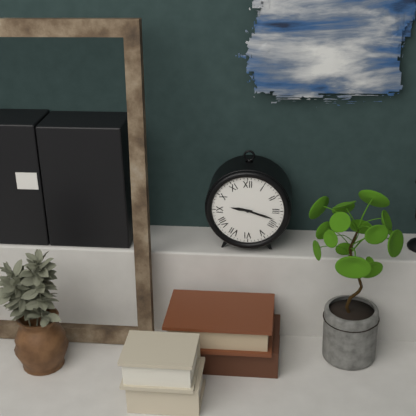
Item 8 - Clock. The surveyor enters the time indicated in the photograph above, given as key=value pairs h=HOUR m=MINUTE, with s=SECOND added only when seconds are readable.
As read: h=9 m=18
